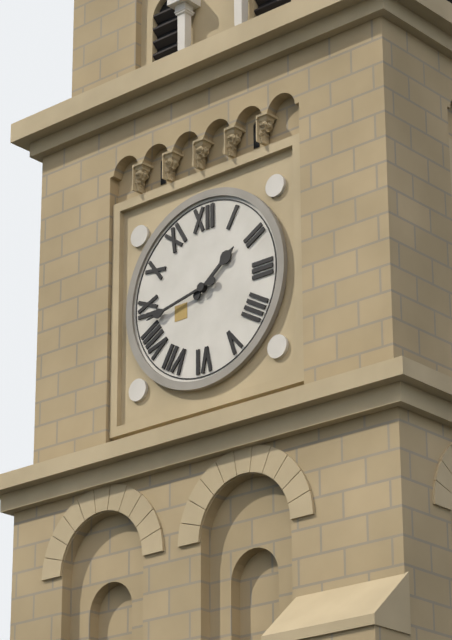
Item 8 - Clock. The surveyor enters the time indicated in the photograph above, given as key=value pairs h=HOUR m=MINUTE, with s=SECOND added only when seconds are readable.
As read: h=1 m=43
